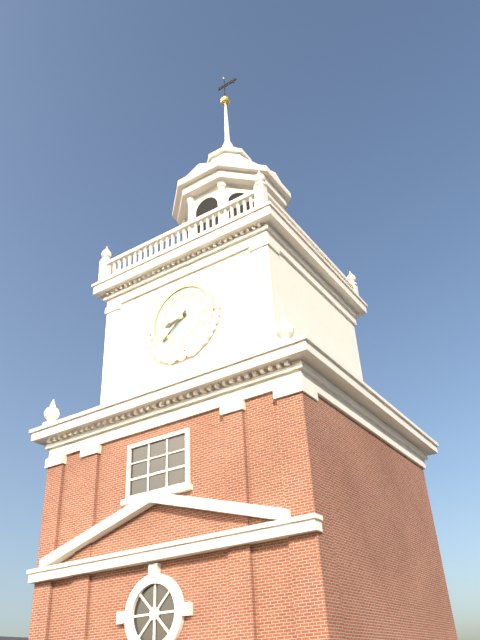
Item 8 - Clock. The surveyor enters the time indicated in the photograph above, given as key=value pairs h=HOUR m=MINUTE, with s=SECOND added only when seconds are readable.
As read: h=8 m=38
